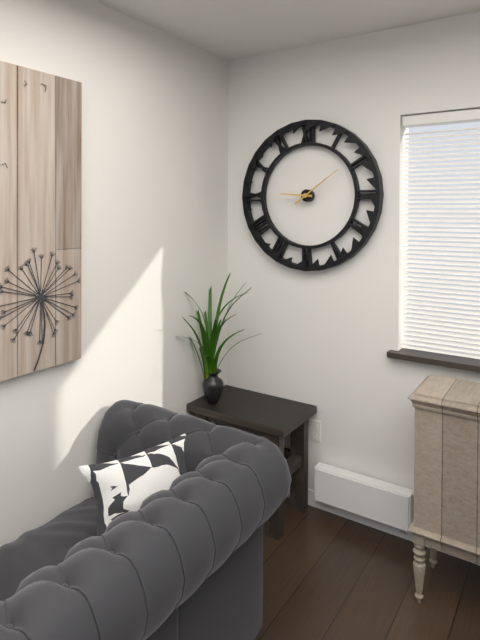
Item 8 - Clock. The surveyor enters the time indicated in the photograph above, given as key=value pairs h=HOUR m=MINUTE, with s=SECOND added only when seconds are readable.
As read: h=9 m=9
